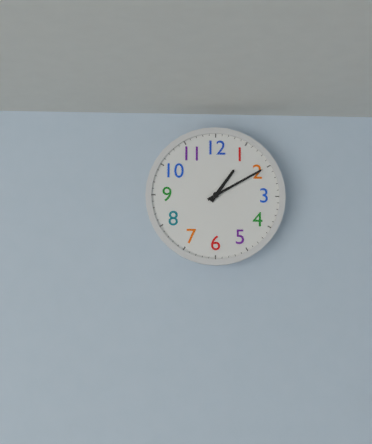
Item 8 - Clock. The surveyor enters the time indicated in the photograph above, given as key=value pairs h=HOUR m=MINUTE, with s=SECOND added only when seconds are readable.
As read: h=1 m=10
